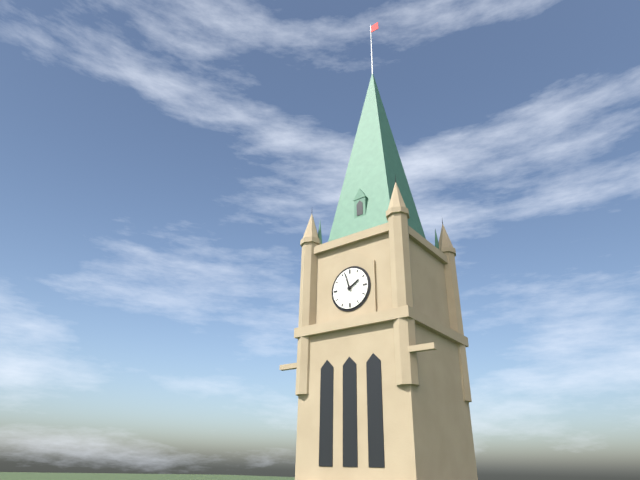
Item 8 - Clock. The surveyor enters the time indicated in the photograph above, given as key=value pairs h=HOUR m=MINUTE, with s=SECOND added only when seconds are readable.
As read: h=1 m=57
